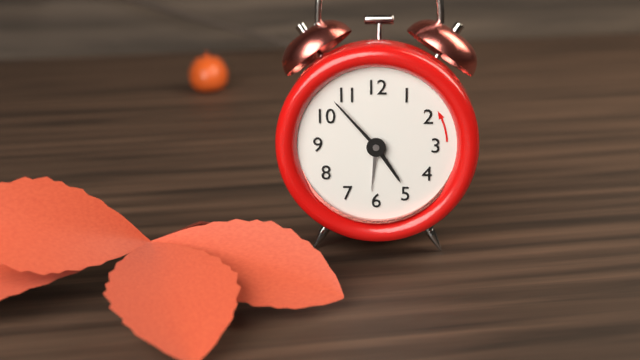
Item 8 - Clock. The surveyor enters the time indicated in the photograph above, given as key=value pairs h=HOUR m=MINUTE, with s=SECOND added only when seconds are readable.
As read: h=4 m=53 s=31
